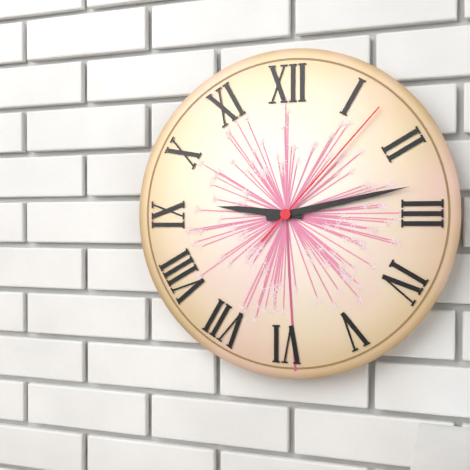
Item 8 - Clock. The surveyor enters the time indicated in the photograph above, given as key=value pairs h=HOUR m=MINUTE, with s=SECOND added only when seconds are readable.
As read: h=9 m=13 s=7
